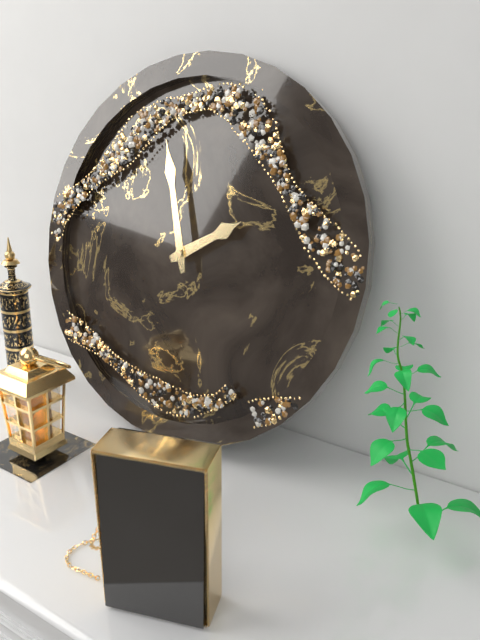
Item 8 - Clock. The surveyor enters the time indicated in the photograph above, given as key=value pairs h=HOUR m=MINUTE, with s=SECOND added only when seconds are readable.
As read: h=1 m=57
